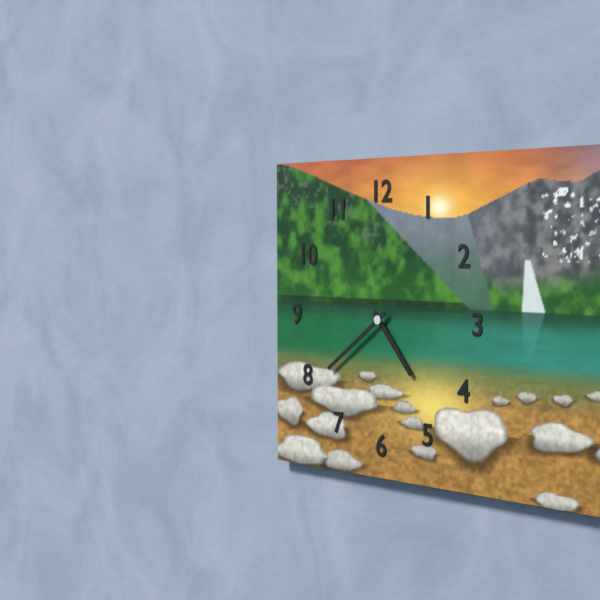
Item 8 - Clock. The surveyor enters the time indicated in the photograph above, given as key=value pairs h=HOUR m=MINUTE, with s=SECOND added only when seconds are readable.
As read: h=4 m=39
